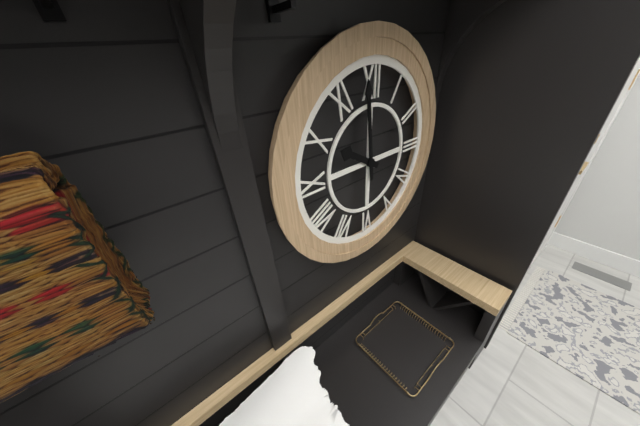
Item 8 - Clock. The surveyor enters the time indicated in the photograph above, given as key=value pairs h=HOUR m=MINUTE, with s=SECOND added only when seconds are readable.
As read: h=9 m=59
